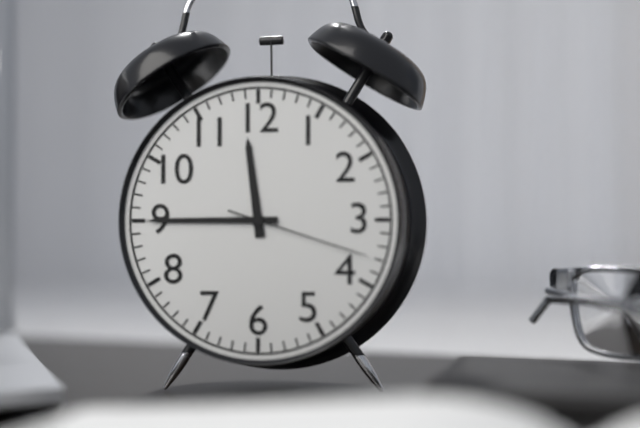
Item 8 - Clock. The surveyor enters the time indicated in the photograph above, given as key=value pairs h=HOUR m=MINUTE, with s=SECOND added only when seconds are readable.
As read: h=11 m=45 s=18
